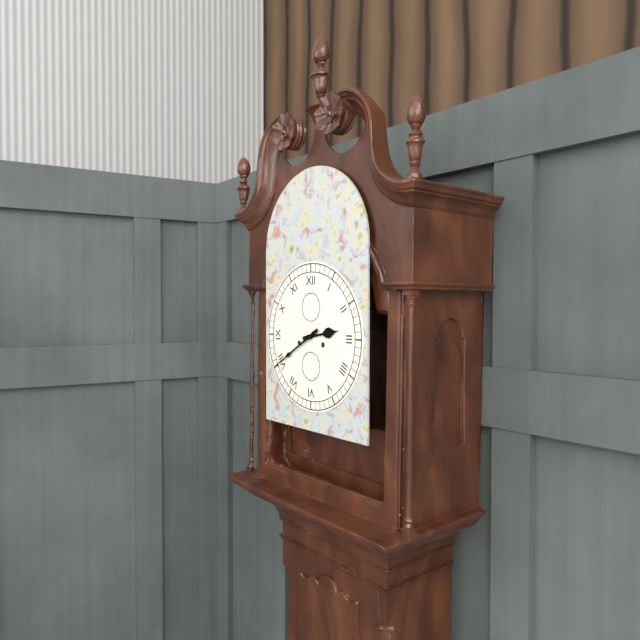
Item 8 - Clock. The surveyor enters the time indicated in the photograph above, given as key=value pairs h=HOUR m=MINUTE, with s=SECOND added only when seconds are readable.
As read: h=2 m=40
